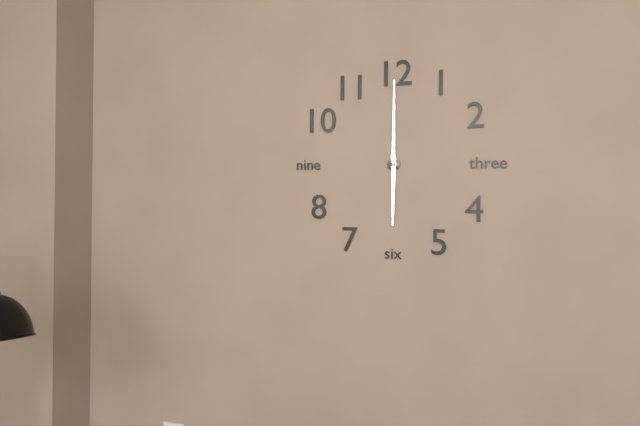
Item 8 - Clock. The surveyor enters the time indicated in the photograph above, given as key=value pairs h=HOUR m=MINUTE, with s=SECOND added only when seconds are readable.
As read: h=6 m=0
